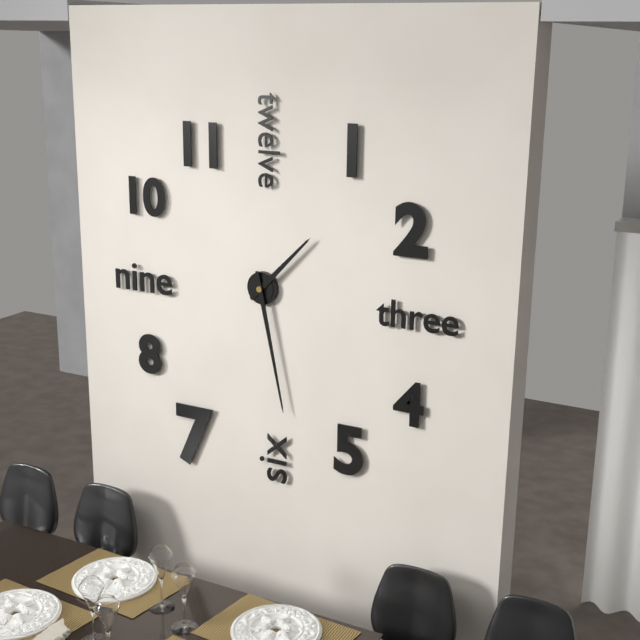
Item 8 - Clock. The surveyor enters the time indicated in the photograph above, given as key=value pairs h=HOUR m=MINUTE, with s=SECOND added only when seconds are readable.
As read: h=1 m=28
